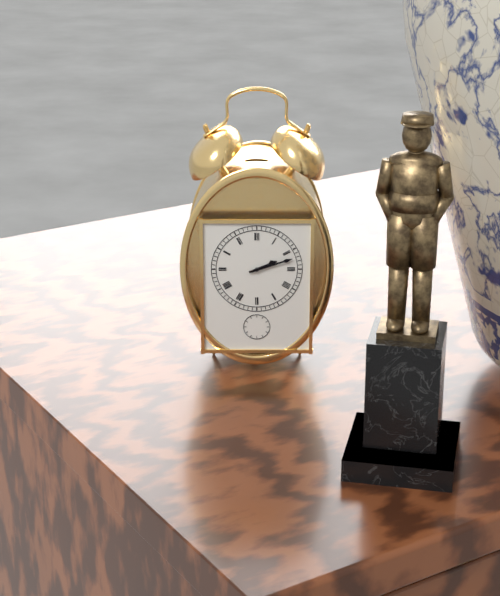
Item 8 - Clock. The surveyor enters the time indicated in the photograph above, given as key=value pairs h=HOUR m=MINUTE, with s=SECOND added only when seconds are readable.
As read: h=2 m=12
